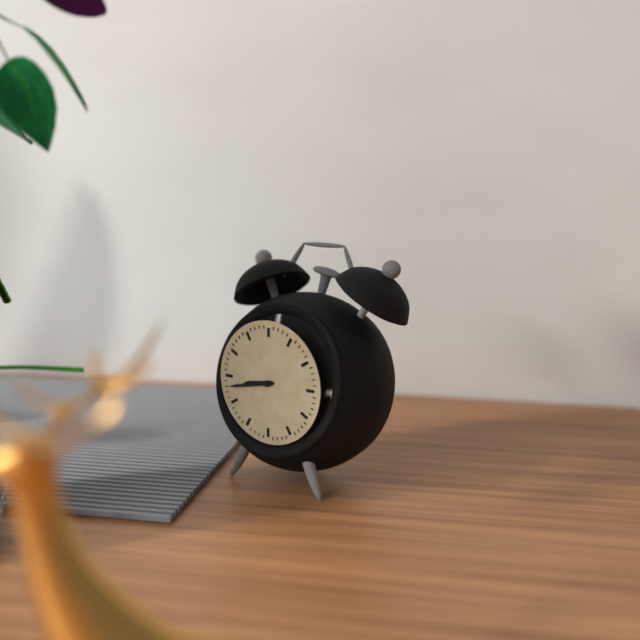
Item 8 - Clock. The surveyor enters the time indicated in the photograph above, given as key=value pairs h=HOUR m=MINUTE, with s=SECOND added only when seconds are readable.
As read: h=8 m=43
